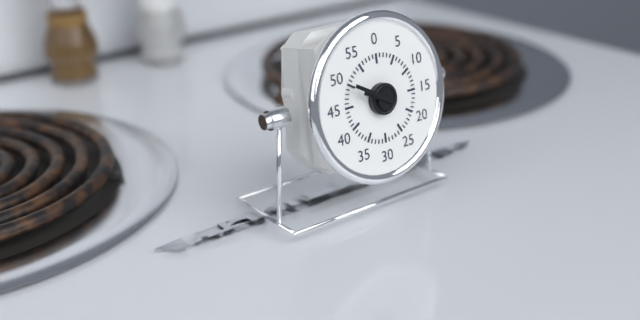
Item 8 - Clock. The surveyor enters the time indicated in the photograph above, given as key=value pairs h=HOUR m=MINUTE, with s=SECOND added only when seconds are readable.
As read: h=9 m=50
